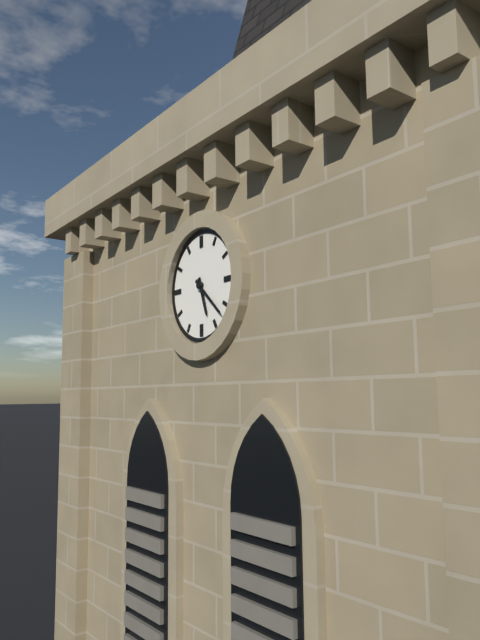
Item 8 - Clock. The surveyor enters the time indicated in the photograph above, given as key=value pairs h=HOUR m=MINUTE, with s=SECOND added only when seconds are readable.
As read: h=5 m=22
